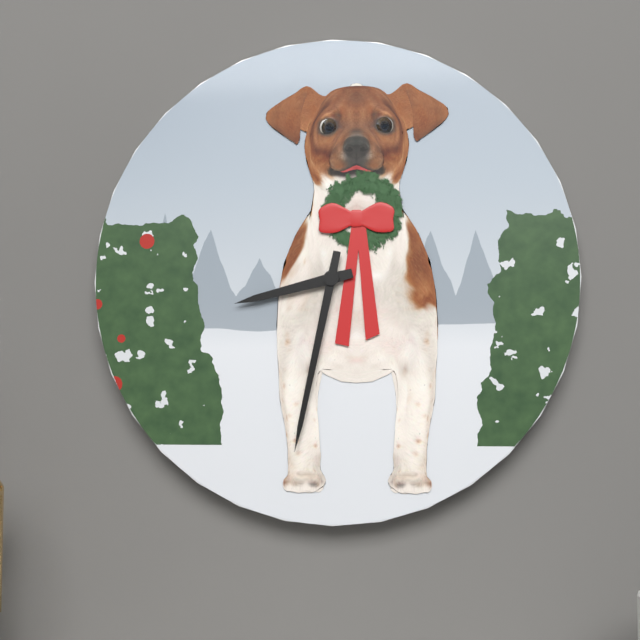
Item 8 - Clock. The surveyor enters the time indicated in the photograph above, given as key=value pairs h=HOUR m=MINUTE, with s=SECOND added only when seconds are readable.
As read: h=8 m=32
